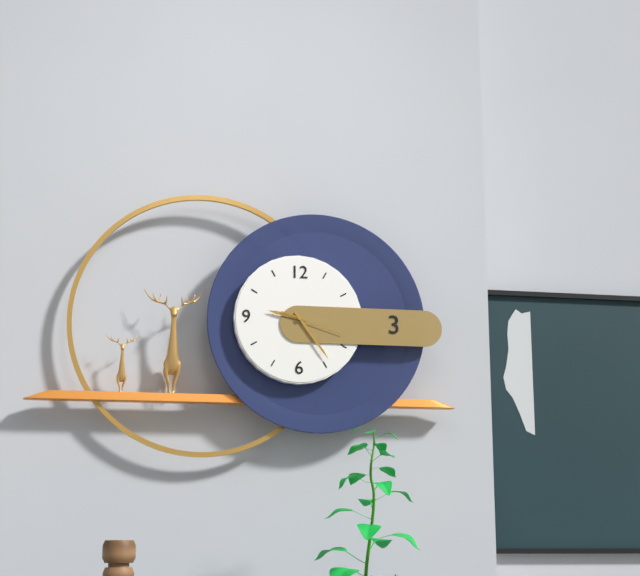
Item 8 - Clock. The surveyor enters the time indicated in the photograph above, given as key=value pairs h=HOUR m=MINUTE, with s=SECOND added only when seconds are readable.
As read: h=9 m=24 s=18
